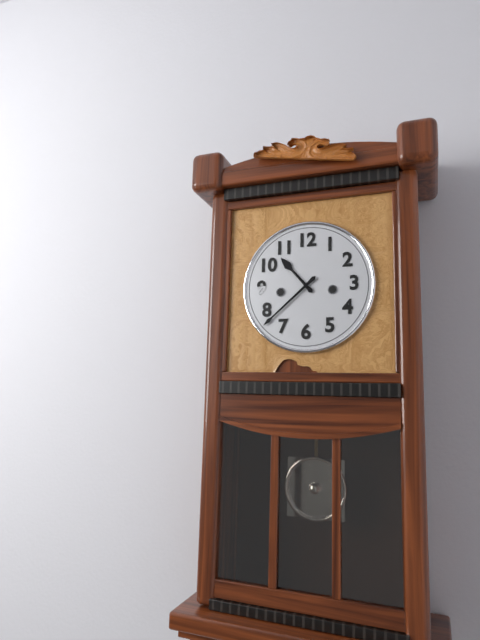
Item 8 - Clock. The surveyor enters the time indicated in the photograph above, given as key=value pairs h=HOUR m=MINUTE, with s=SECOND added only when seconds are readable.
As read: h=10 m=38
